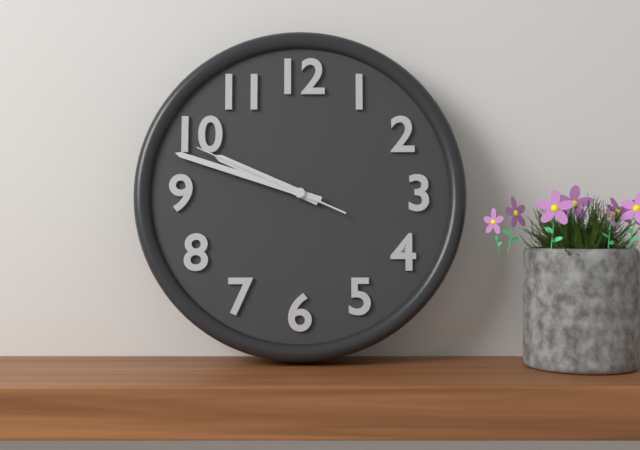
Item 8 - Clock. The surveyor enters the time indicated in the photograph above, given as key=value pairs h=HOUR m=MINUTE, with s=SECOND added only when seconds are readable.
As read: h=9 m=48 s=49
